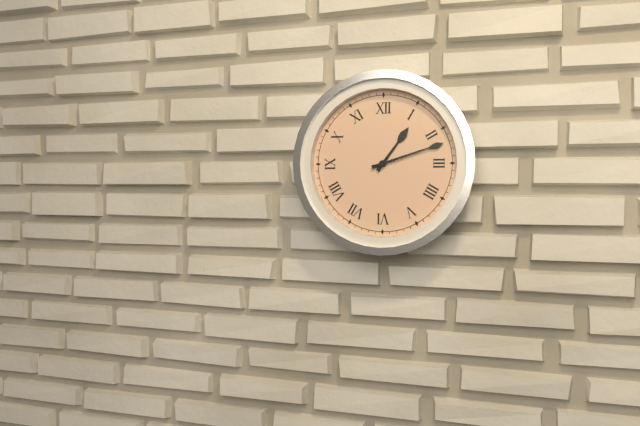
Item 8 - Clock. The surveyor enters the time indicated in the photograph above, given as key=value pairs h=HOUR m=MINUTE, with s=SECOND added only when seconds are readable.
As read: h=1 m=12
